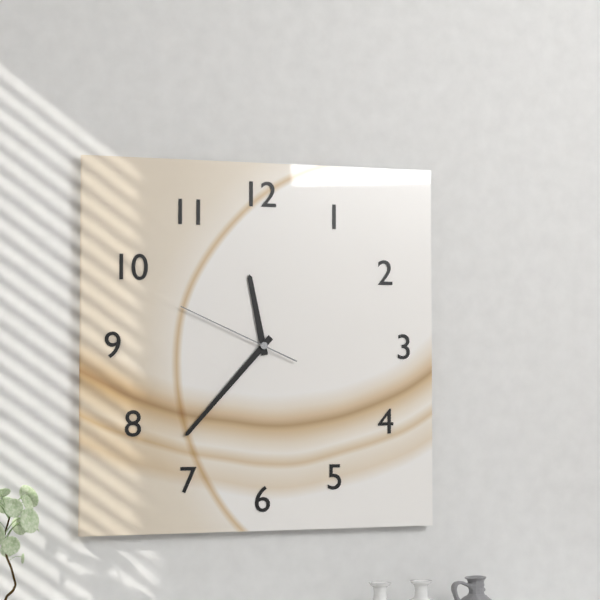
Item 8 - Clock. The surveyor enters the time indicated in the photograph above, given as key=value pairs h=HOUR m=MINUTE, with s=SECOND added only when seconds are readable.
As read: h=11 m=37 s=49
